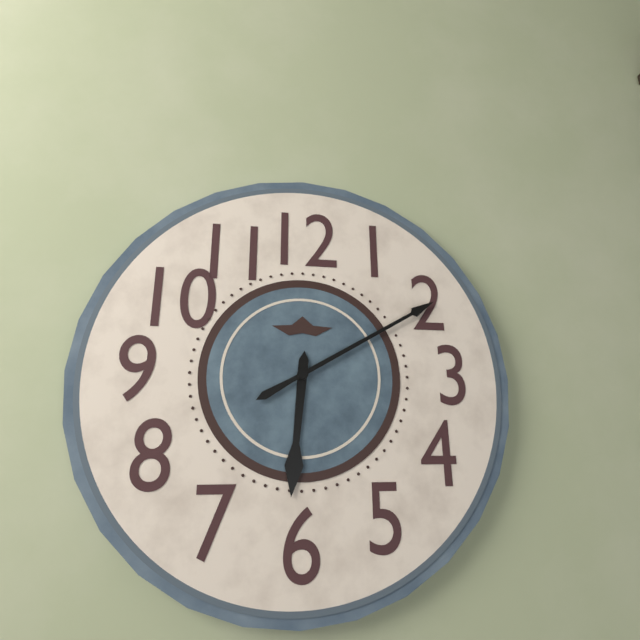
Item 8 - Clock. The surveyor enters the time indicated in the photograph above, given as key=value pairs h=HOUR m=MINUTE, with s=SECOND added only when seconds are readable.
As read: h=6 m=10
